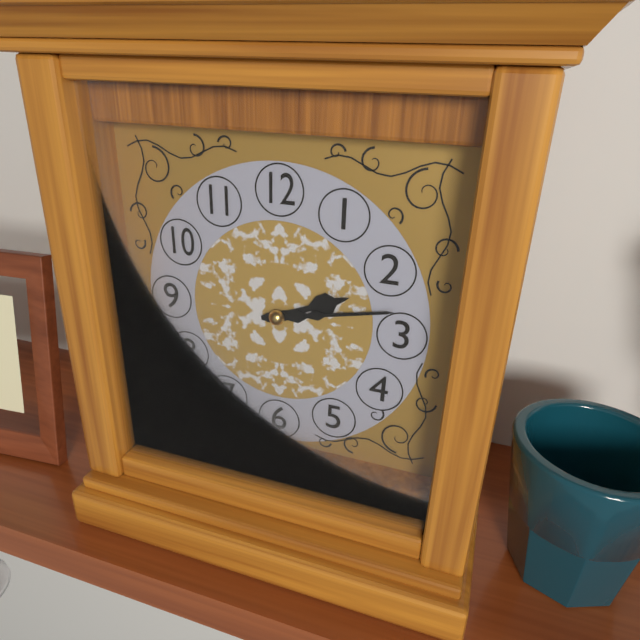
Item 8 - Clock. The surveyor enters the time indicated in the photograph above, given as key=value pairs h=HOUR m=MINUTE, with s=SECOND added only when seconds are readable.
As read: h=2 m=13
